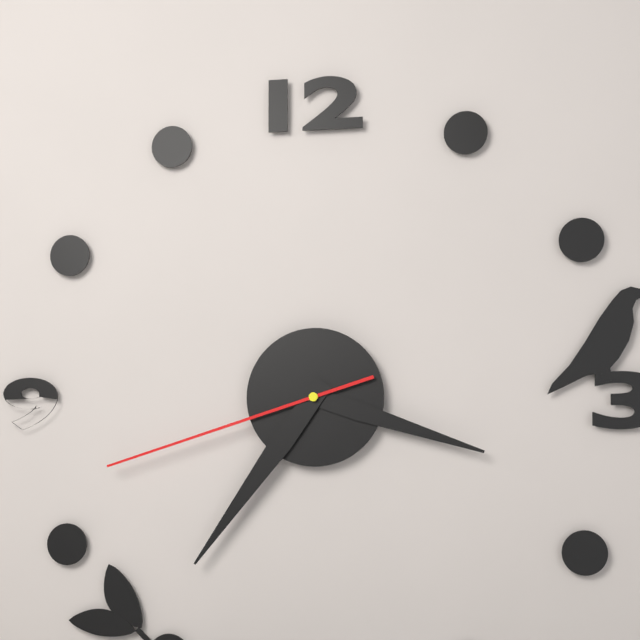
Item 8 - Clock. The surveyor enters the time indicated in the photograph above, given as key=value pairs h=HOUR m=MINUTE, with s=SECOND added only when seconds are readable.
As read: h=3 m=36 s=42
